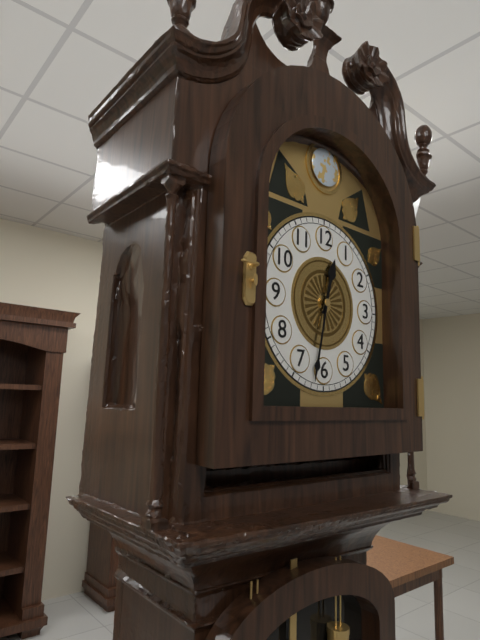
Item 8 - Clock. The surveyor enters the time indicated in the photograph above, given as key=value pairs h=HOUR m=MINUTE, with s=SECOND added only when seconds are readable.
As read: h=12 m=32
